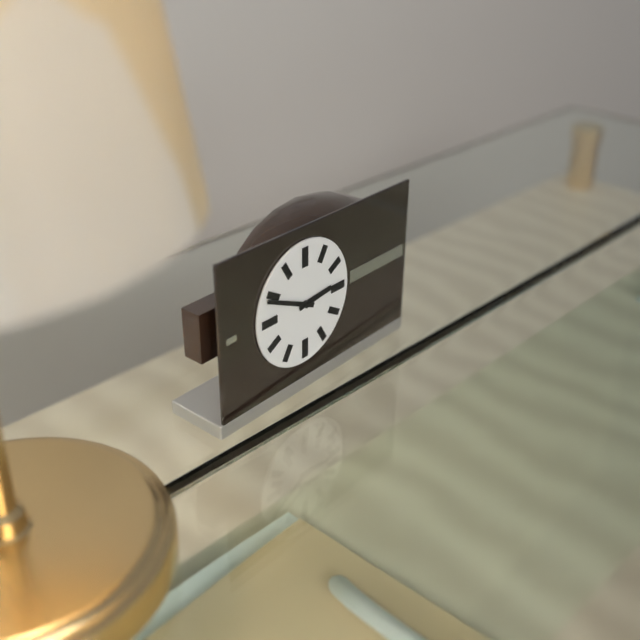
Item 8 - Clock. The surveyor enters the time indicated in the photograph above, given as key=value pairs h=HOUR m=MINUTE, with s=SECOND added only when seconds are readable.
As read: h=2 m=49
